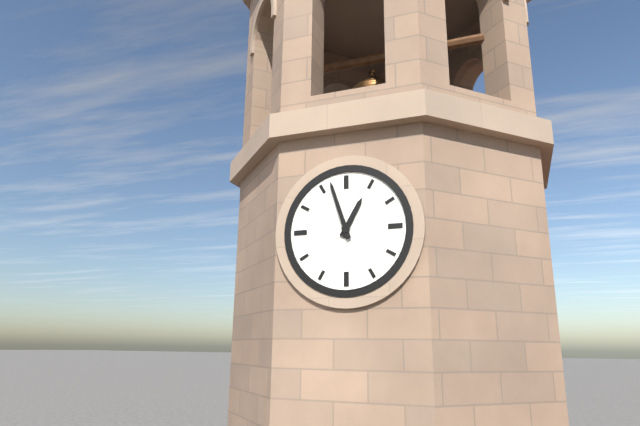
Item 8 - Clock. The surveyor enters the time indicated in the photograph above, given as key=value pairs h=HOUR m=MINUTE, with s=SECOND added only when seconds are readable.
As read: h=12 m=57
